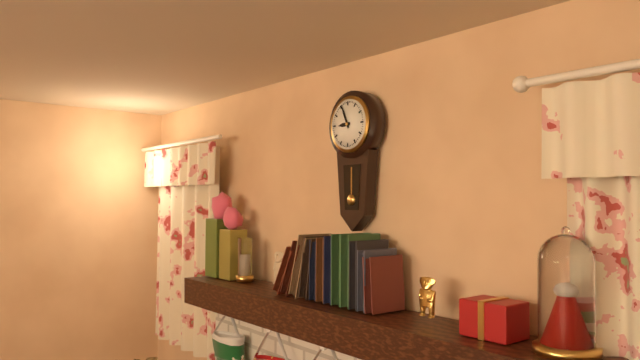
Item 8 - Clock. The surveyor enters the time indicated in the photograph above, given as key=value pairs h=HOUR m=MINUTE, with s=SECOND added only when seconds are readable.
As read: h=8 m=56
